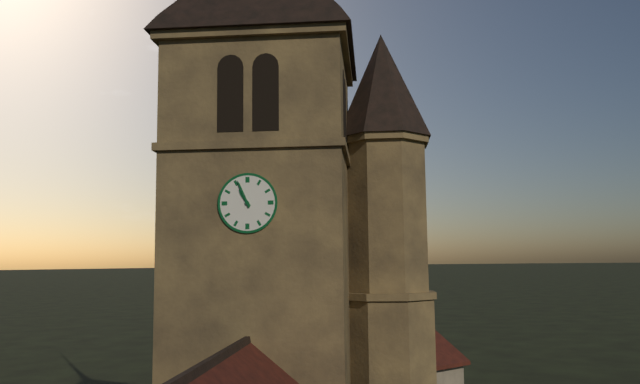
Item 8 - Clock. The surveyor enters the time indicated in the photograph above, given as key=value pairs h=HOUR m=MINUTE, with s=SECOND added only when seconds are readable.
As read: h=10 m=56
